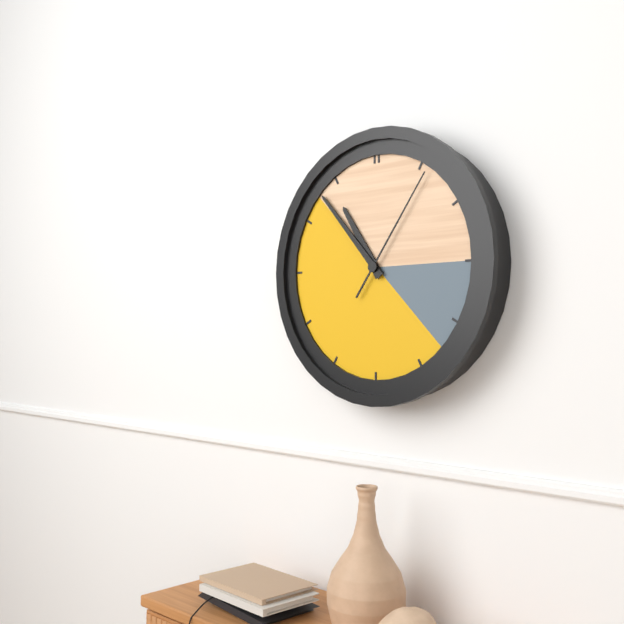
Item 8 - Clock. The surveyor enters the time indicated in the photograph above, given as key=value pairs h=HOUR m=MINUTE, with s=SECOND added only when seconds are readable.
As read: h=10 m=53 s=6
